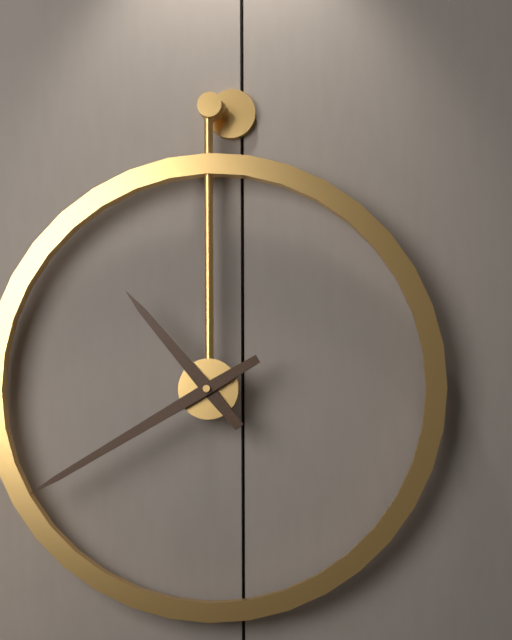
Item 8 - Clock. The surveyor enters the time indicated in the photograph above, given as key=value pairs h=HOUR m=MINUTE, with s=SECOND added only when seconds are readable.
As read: h=10 m=40
